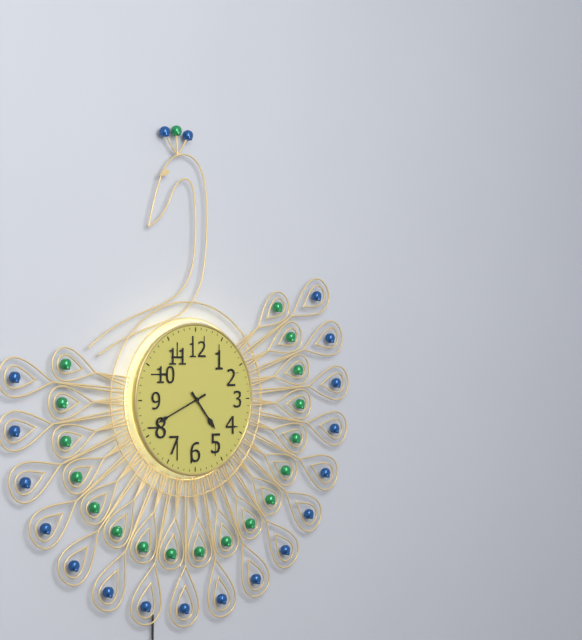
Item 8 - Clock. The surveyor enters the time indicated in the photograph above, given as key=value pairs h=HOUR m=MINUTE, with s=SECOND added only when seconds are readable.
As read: h=4 m=41
